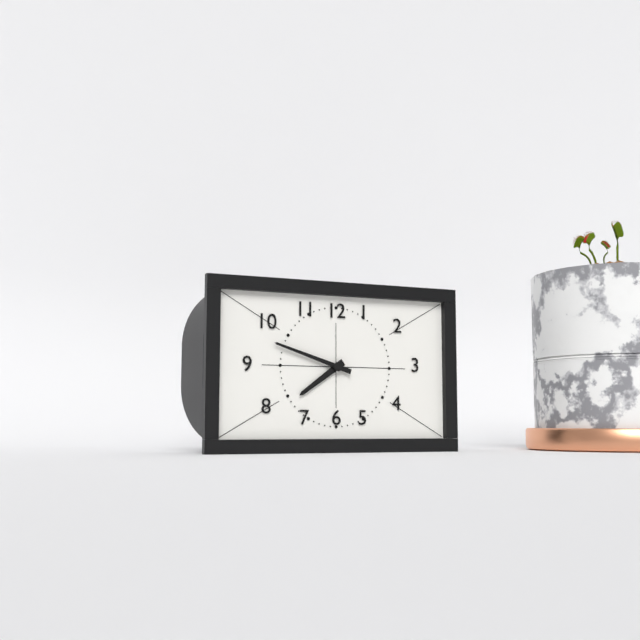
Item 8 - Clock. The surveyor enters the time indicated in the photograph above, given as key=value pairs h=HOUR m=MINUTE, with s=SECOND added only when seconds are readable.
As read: h=7 m=48
